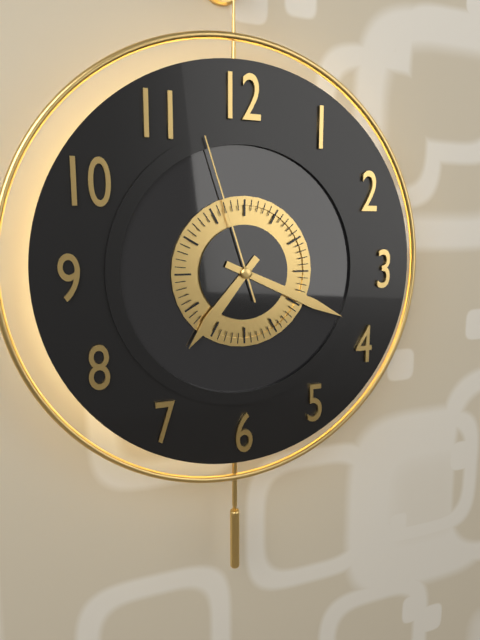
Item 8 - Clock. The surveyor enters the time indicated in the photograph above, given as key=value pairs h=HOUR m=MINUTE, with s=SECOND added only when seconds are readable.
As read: h=7 m=19 s=57
